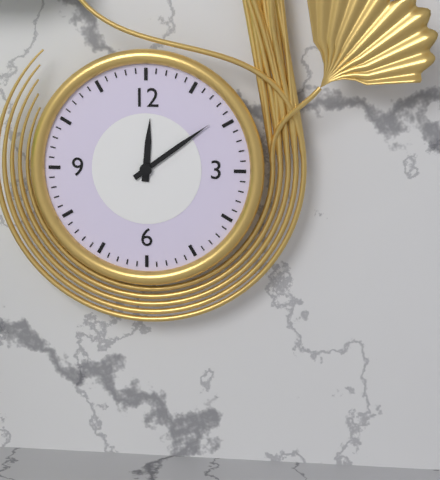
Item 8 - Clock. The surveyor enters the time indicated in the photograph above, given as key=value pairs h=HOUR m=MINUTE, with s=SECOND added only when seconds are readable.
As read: h=12 m=9
